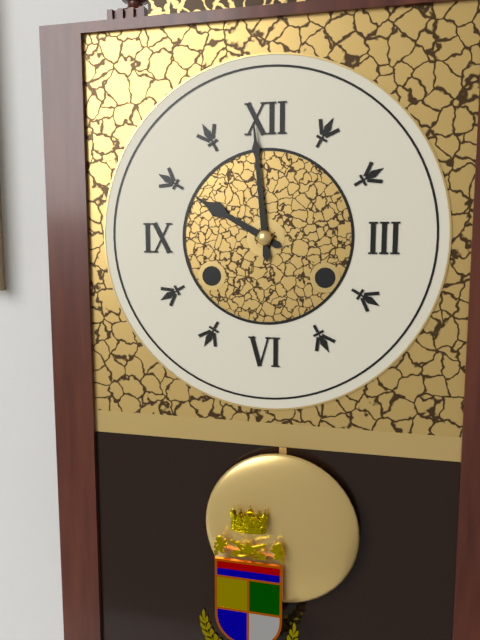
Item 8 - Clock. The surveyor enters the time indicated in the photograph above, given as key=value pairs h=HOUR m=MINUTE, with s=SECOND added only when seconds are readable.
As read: h=9 m=59
